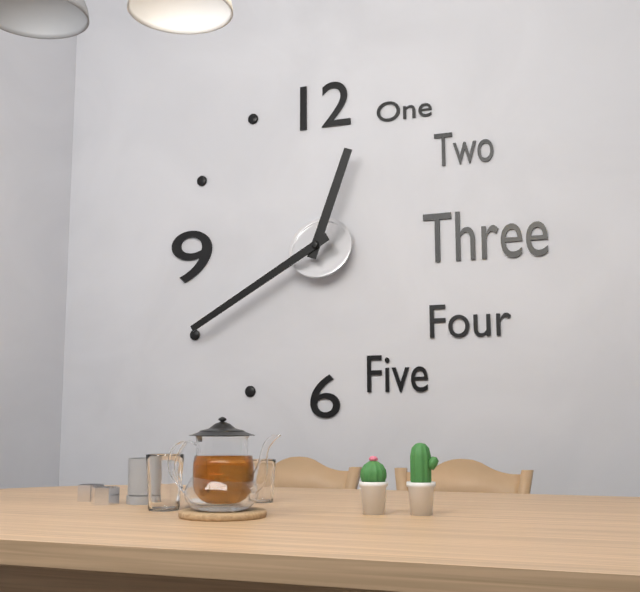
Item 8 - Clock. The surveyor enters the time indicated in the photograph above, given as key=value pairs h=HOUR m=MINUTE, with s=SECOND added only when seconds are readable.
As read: h=12 m=40
